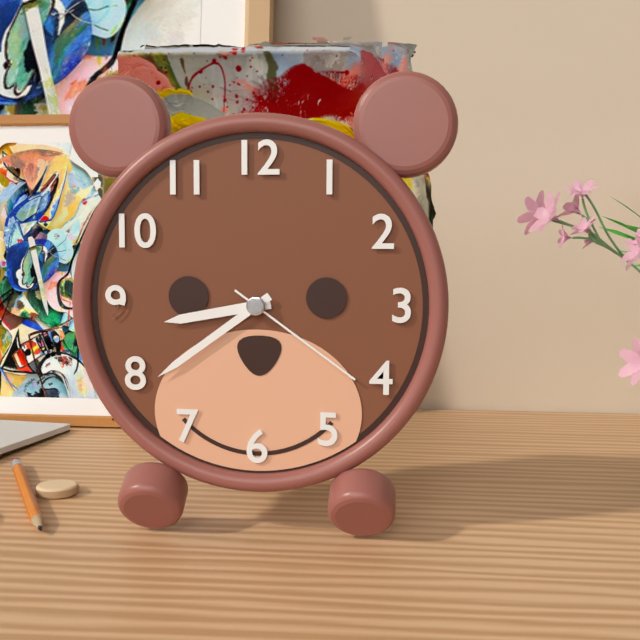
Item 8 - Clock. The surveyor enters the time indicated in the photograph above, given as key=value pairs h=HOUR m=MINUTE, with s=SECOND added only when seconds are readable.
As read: h=8 m=39 s=21
